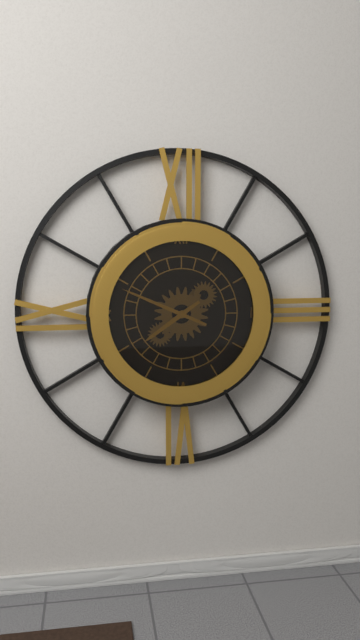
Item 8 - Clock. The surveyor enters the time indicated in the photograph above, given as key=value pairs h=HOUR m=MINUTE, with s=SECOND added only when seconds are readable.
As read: h=7 m=49
